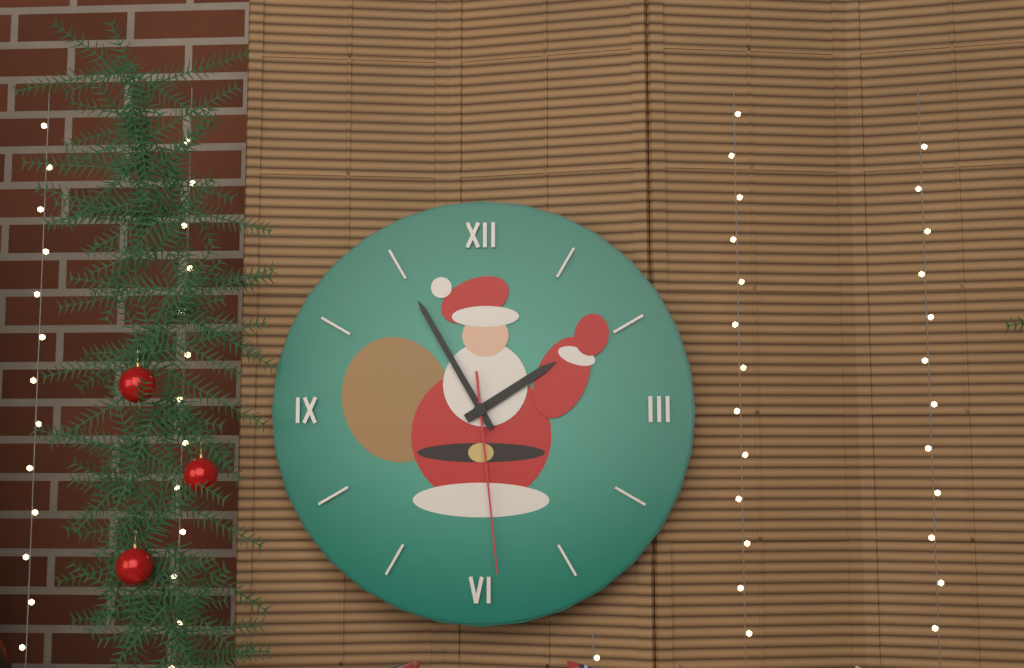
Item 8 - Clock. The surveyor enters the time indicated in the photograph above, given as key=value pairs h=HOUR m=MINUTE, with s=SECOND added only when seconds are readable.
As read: h=1 m=55 s=29
